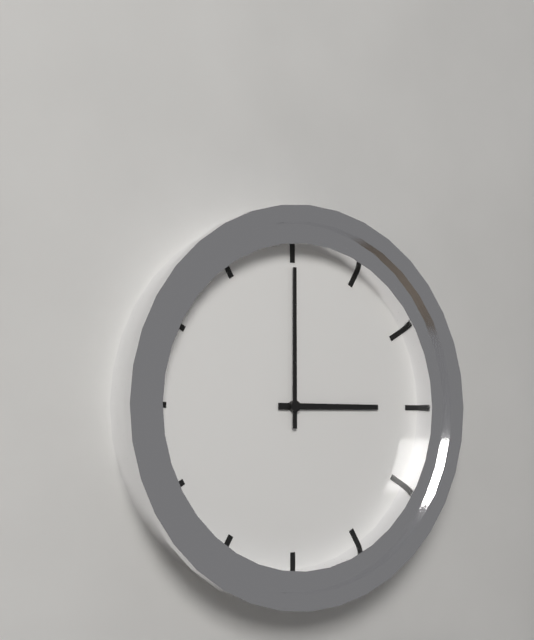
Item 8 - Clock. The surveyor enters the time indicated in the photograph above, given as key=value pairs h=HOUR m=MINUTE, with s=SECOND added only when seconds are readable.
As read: h=3 m=0
